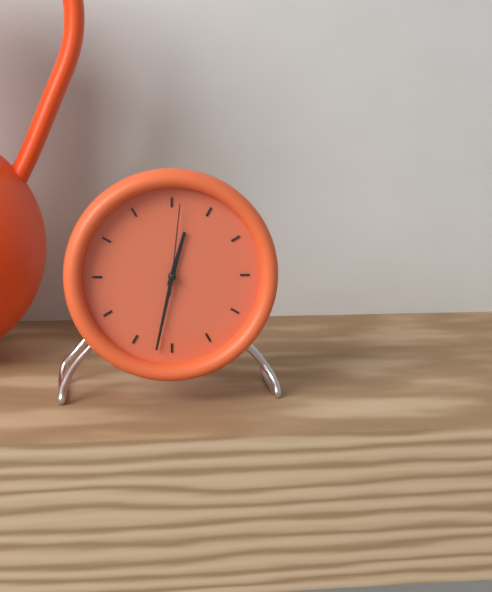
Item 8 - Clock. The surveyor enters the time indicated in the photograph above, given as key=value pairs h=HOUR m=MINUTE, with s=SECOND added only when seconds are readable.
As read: h=12 m=32 s=1
